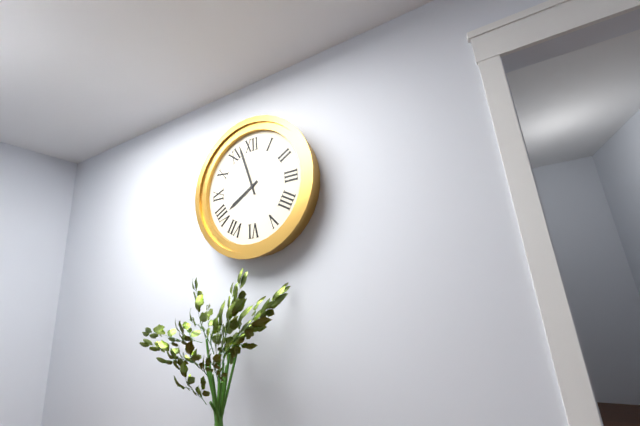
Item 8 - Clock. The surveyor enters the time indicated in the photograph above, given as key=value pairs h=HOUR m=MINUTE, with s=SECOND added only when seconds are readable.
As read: h=7 m=57
